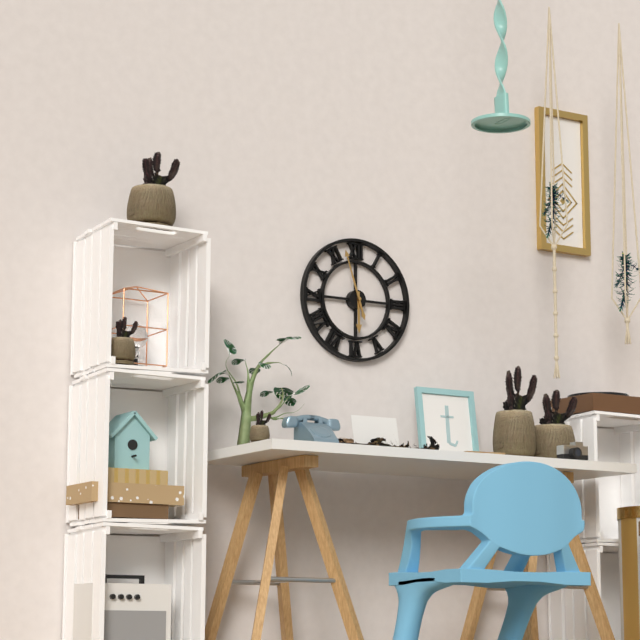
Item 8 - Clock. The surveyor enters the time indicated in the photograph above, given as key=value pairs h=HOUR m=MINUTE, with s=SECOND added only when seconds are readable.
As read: h=5 m=57
